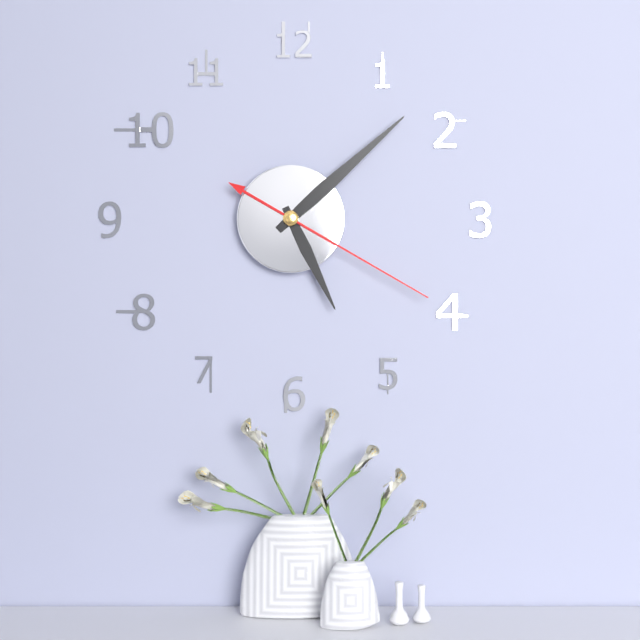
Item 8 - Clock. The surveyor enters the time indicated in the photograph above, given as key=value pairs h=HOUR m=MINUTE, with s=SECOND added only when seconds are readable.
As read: h=5 m=8 s=20
